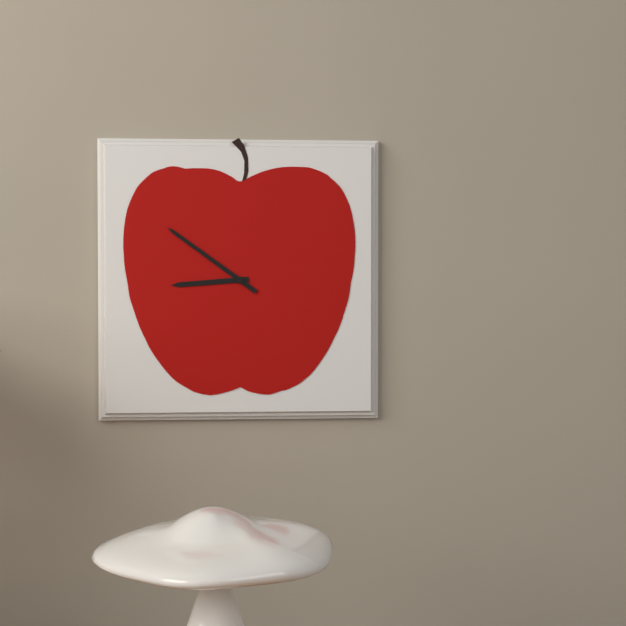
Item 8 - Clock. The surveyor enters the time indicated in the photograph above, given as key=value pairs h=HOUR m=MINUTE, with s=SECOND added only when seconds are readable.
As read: h=8 m=51
